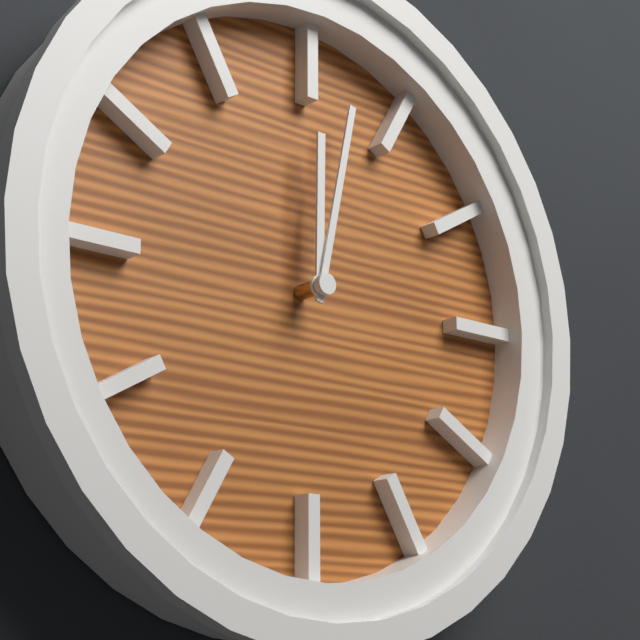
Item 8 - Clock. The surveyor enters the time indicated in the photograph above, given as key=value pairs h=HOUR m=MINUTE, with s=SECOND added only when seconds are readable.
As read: h=12 m=2
